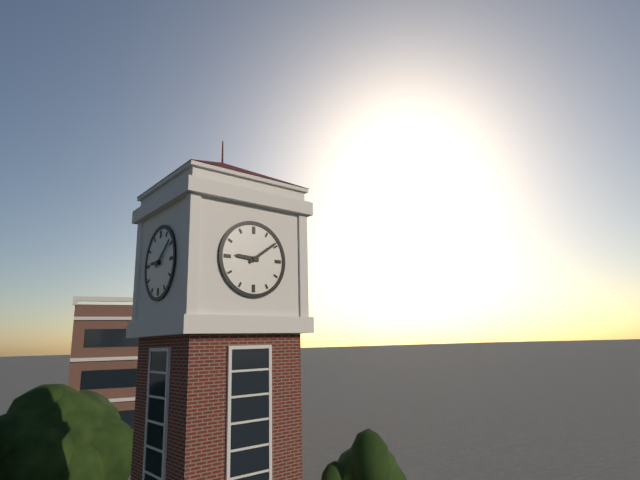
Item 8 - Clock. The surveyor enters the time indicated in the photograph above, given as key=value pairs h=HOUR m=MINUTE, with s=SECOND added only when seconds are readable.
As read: h=9 m=9
